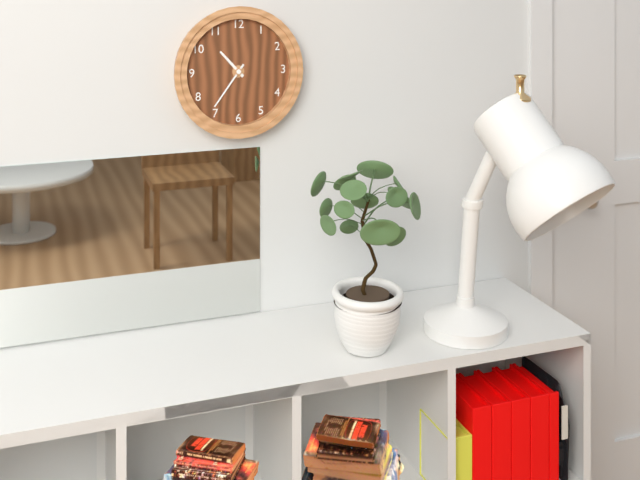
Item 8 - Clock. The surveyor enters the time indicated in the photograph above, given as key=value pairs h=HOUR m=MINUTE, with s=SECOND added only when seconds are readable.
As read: h=10 m=36
